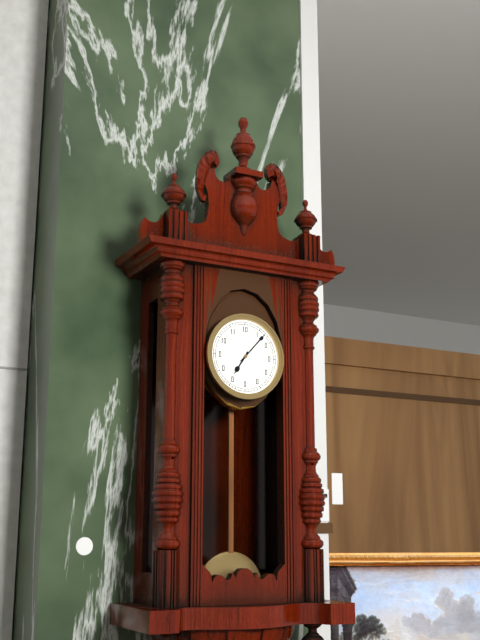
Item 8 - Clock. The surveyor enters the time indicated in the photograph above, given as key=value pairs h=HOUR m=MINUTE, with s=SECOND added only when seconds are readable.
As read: h=7 m=7
